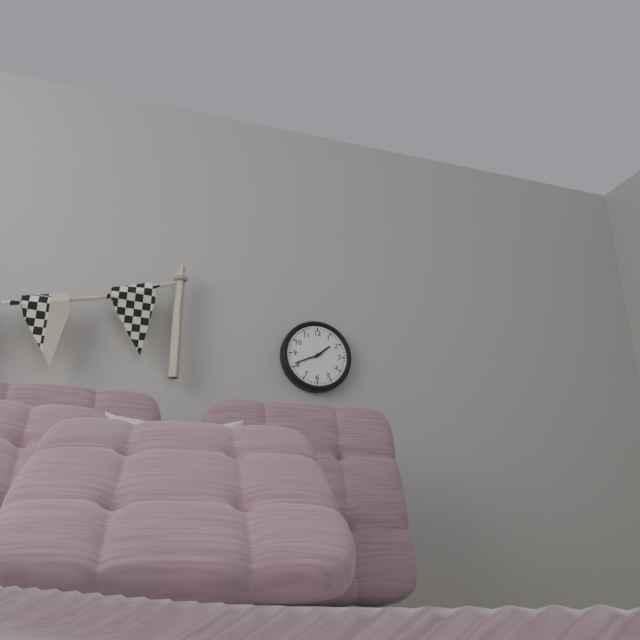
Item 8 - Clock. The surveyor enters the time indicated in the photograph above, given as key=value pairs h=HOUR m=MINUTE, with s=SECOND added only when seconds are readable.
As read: h=1 m=41
